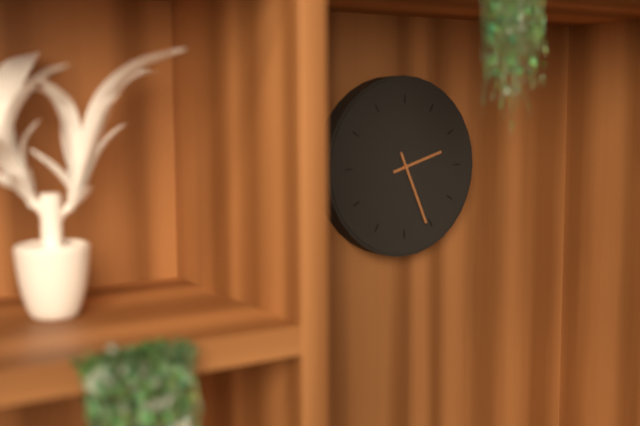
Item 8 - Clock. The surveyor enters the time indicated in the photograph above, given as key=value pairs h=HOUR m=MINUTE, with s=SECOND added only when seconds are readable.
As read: h=2 m=26
